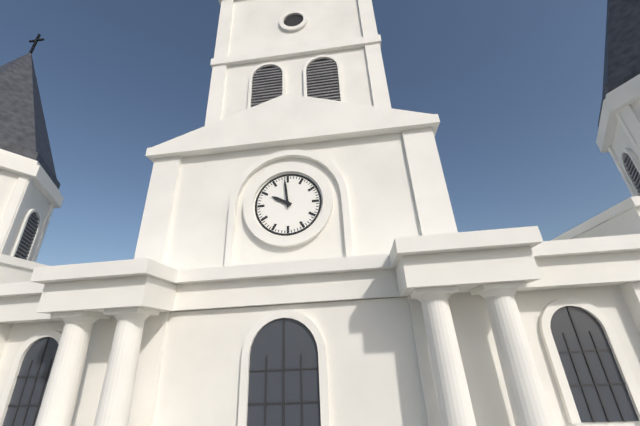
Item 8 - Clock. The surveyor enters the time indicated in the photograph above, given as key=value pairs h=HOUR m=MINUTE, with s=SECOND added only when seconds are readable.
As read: h=9 m=59
